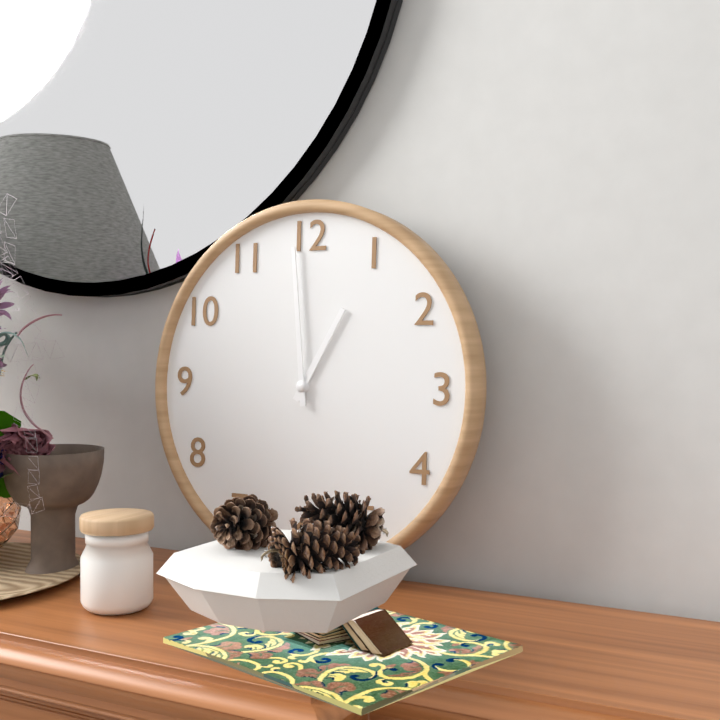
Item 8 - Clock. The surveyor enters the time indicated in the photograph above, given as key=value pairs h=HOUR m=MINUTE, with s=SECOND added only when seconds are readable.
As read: h=12 m=59
